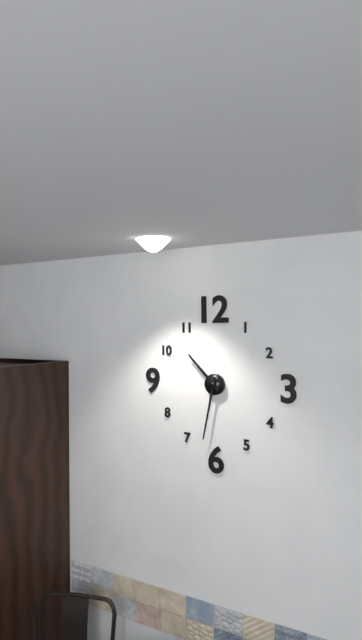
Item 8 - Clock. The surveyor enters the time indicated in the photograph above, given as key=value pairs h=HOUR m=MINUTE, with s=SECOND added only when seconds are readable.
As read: h=10 m=32
